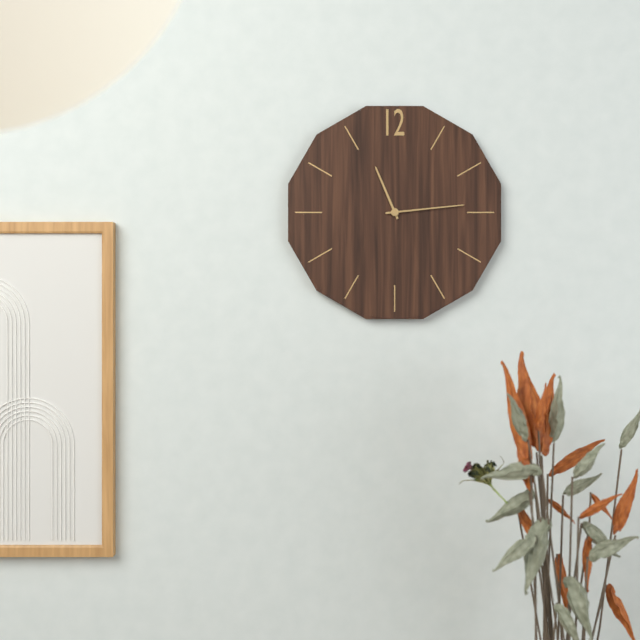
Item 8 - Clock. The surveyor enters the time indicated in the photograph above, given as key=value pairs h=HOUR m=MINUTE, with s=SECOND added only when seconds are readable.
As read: h=11 m=14
